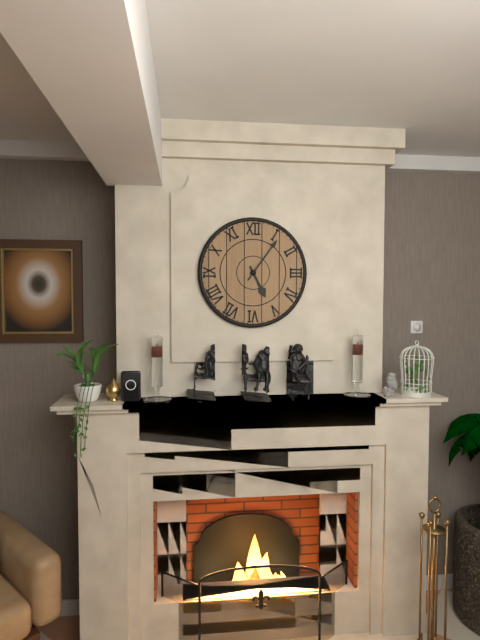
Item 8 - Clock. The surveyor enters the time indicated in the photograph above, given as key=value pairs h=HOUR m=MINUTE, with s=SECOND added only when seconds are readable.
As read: h=5 m=6
